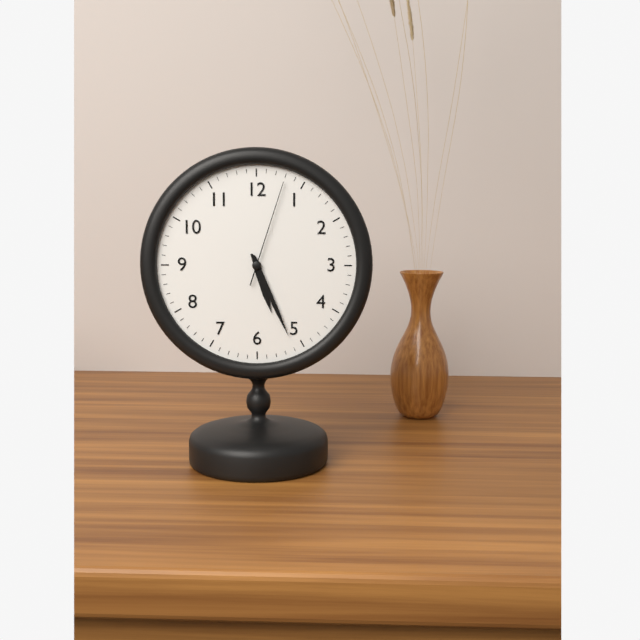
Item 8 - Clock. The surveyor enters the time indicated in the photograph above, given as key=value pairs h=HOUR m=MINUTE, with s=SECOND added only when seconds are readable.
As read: h=5 m=26 s=3
